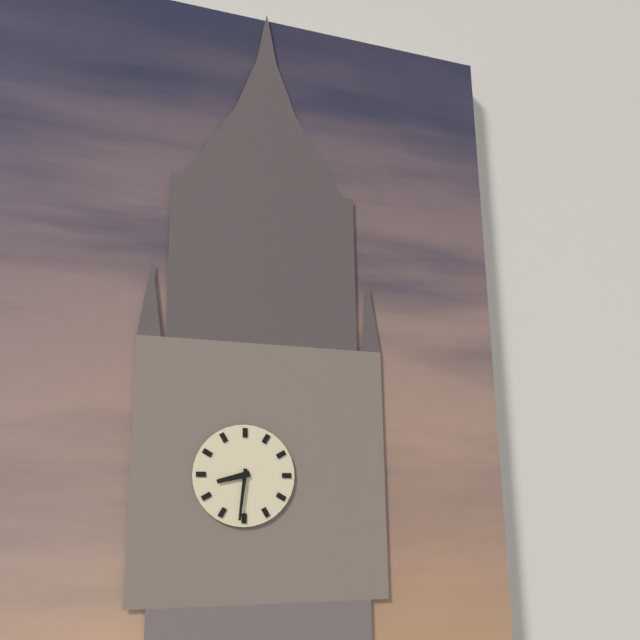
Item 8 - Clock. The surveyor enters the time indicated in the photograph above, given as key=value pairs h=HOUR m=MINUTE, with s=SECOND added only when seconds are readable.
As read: h=8 m=31
